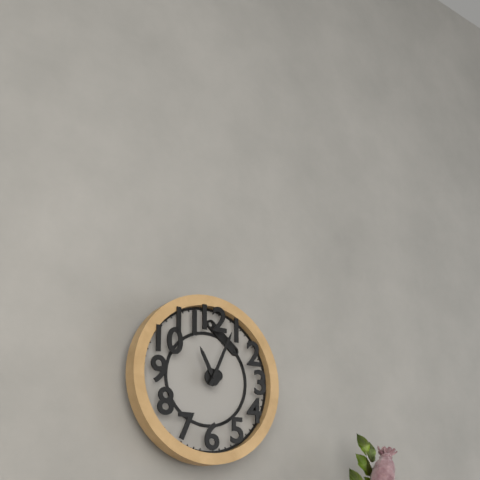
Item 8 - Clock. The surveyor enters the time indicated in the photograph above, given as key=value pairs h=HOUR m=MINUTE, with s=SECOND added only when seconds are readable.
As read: h=11 m=4
